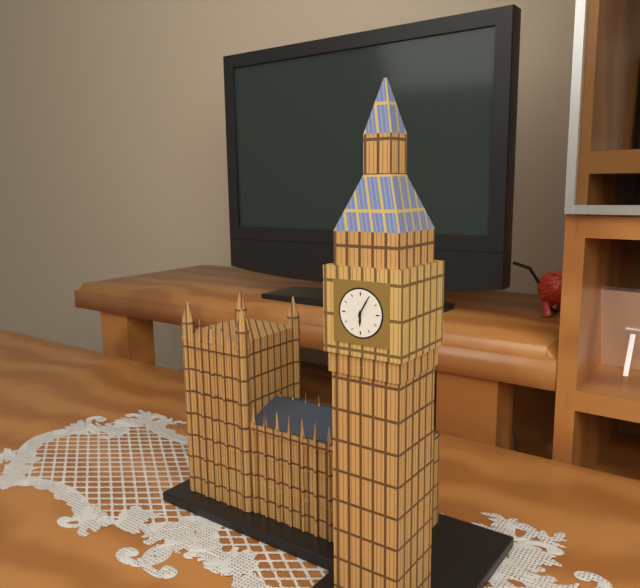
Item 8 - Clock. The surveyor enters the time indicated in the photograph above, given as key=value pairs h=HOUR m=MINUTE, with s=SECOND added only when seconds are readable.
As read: h=6 m=5
